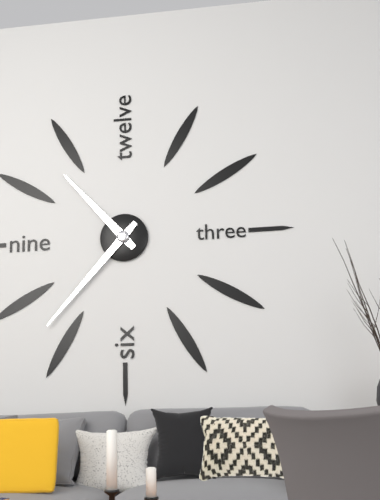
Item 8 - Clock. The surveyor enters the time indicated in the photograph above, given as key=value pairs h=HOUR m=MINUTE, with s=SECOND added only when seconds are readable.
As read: h=10 m=37
